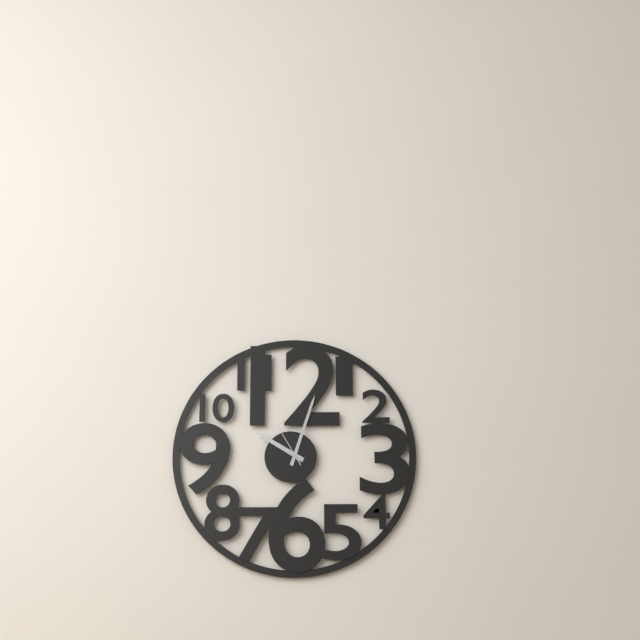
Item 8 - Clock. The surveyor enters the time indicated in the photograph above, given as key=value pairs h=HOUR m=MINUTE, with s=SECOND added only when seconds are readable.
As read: h=10 m=3
